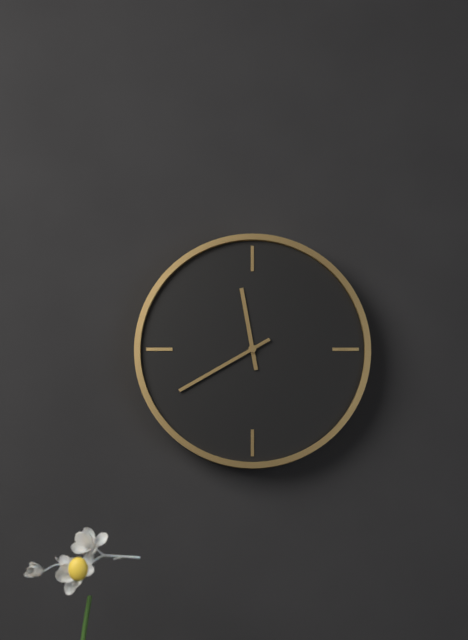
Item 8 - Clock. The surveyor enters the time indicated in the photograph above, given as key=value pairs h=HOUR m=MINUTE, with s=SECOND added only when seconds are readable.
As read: h=11 m=40
